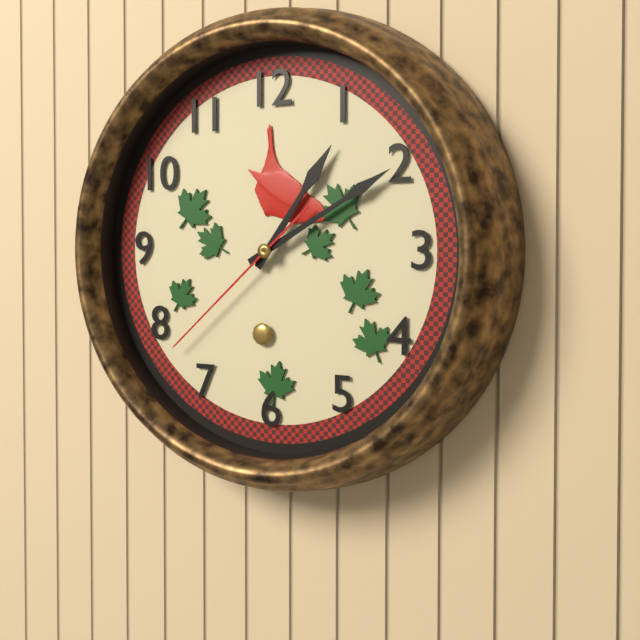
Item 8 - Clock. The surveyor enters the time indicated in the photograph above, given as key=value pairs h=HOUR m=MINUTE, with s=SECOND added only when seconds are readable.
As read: h=1 m=10 s=38
